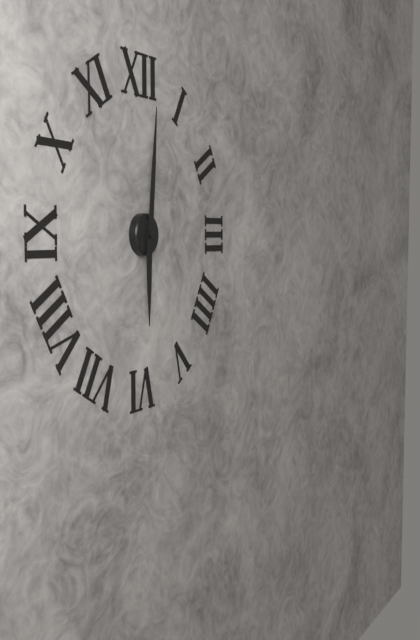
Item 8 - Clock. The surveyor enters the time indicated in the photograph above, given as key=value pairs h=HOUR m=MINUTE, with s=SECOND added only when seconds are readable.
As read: h=6 m=1
